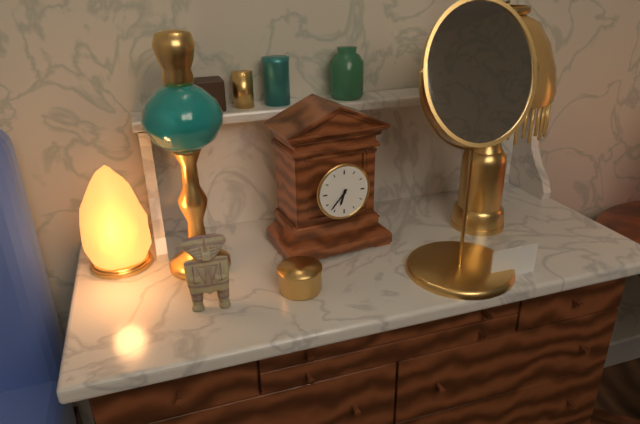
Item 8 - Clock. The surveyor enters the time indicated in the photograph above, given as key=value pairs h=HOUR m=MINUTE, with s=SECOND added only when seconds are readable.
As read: h=6 m=37
